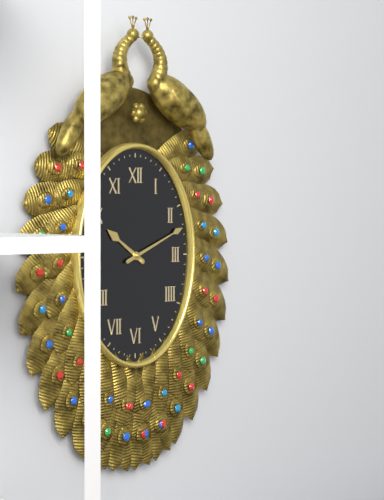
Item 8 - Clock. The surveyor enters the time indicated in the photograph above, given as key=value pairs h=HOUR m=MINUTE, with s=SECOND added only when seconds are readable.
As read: h=10 m=11
